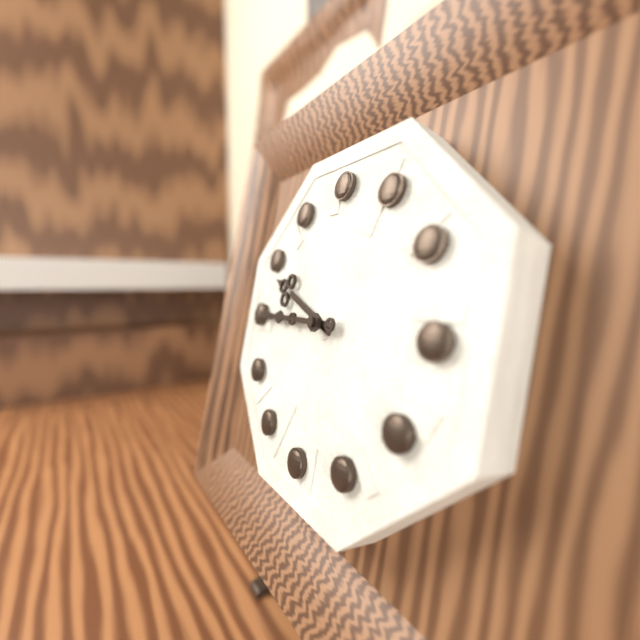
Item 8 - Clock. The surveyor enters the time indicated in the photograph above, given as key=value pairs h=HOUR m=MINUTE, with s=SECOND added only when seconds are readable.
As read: h=9 m=45
